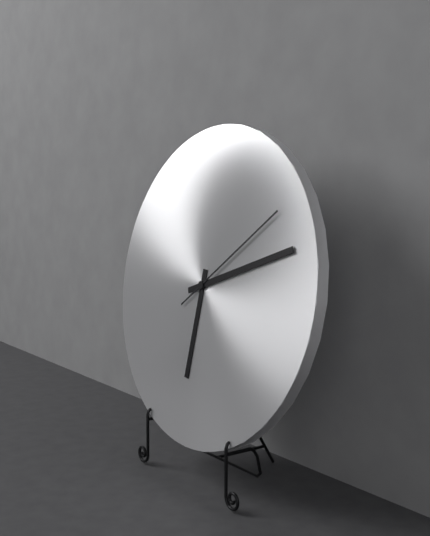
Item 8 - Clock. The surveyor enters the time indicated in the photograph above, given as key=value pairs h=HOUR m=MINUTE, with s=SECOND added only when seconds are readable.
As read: h=6 m=12 s=9
